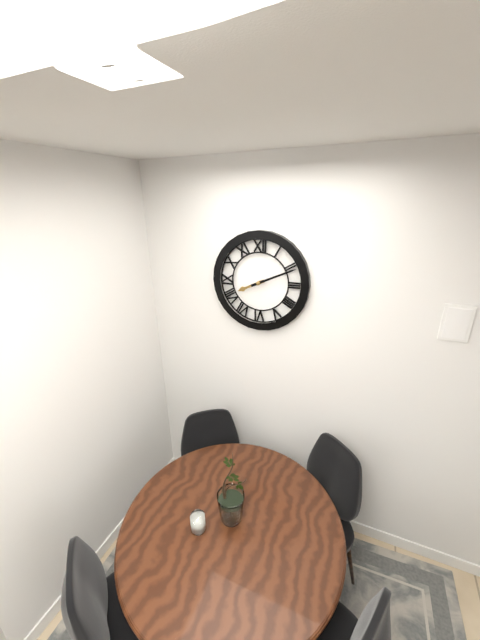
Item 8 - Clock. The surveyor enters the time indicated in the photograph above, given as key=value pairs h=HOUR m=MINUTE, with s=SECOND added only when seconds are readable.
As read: h=8 m=11
